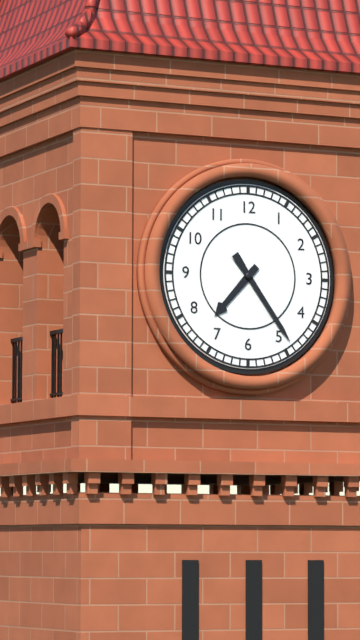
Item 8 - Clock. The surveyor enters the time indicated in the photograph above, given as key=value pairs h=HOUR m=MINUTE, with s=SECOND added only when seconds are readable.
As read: h=7 m=24
